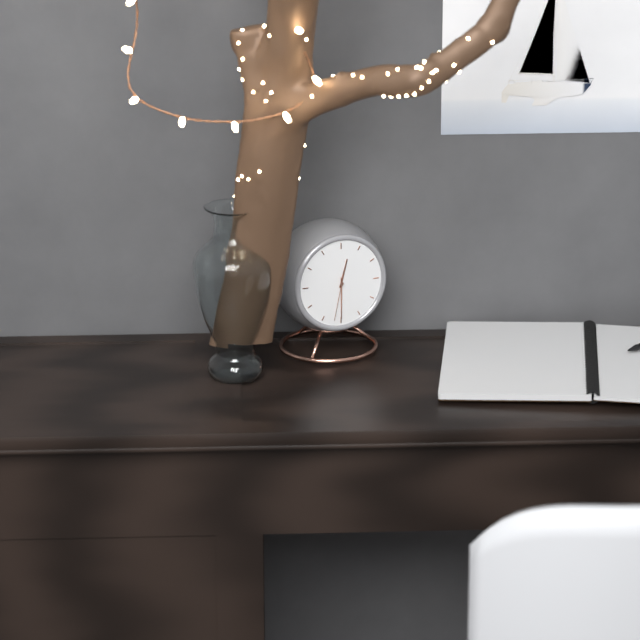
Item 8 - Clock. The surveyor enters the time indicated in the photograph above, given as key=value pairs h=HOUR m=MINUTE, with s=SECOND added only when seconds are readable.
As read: h=12 m=30
